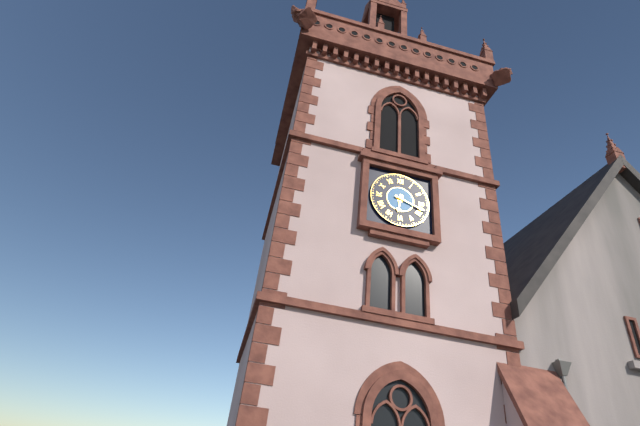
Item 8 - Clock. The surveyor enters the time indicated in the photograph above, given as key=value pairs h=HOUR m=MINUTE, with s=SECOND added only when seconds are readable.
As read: h=6 m=18
